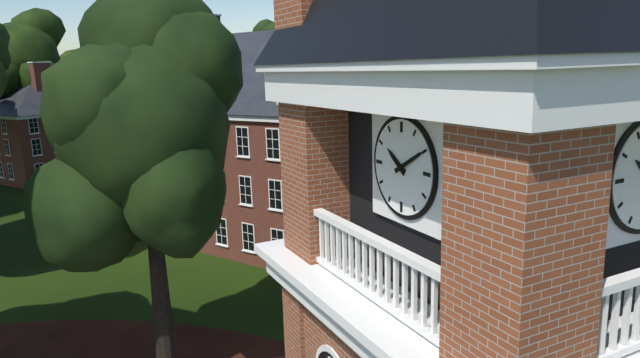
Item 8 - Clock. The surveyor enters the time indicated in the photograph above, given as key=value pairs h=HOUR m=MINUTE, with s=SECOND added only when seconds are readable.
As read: h=10 m=10
